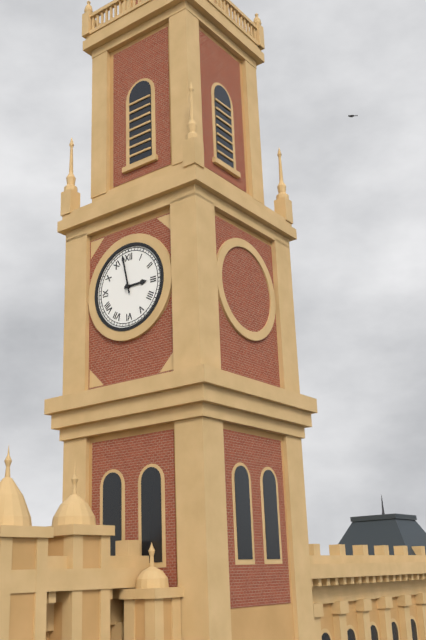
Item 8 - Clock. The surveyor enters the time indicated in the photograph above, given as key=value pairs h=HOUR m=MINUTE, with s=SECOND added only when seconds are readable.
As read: h=2 m=58
